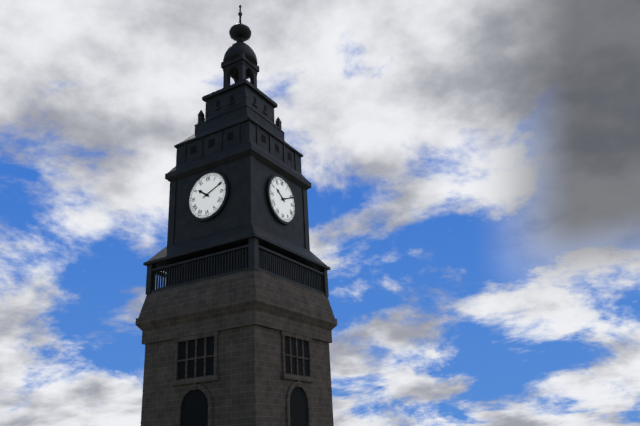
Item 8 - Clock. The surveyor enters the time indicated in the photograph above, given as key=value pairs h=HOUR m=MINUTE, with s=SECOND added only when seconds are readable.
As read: h=10 m=11
